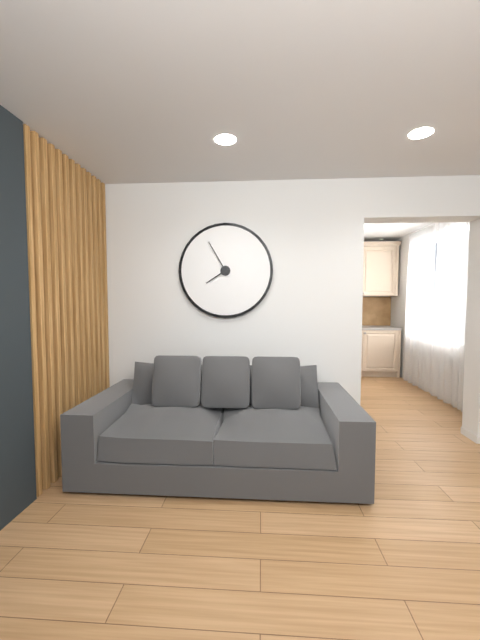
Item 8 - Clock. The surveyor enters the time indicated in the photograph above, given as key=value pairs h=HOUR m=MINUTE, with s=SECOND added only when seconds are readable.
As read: h=7 m=55
